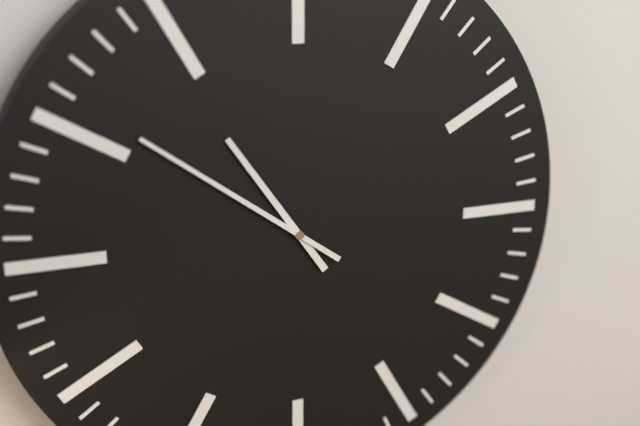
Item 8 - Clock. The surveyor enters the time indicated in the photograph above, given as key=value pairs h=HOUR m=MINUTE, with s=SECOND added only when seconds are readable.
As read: h=10 m=51
